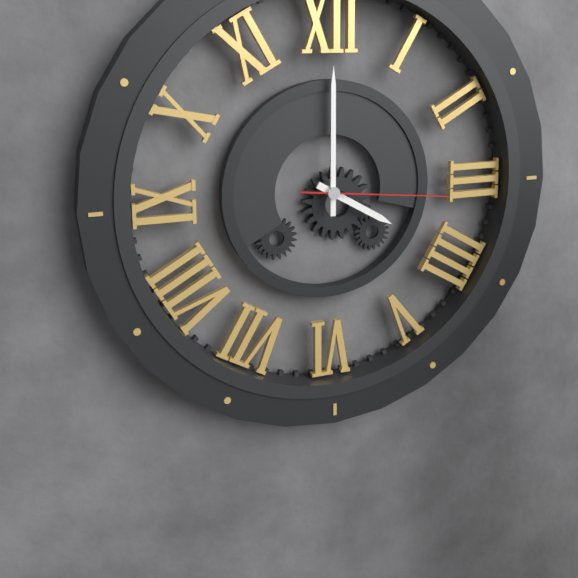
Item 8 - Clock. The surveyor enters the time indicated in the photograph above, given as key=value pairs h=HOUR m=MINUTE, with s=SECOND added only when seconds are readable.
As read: h=4 m=0 s=16
